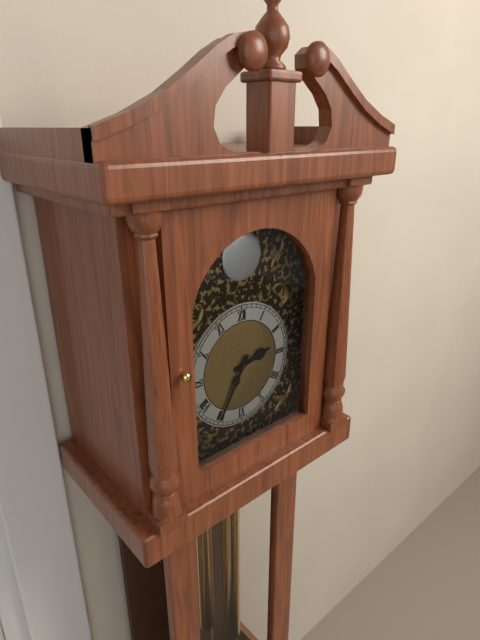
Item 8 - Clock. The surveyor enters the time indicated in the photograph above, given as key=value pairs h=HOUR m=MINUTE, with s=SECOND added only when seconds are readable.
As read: h=2 m=35
